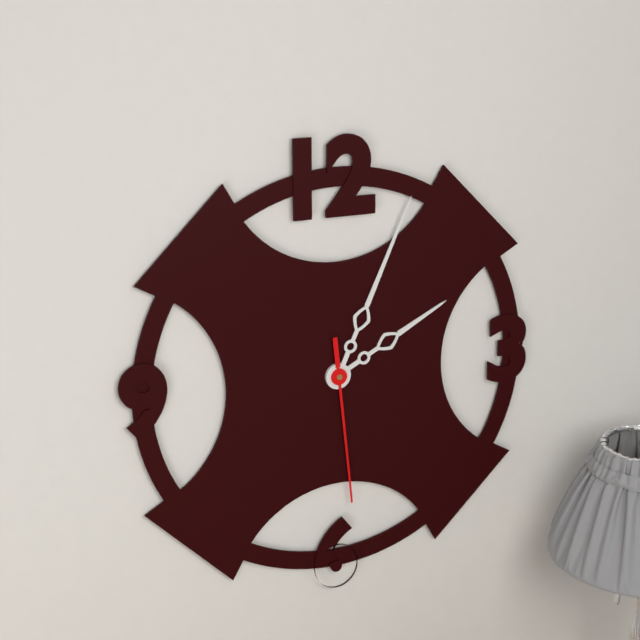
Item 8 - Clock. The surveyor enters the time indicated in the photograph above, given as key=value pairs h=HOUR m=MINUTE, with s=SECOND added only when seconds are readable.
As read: h=2 m=4 s=29
